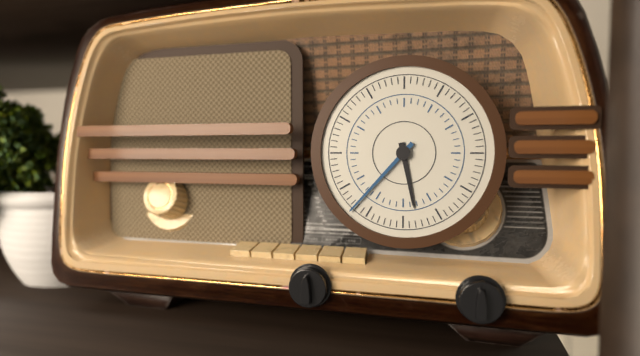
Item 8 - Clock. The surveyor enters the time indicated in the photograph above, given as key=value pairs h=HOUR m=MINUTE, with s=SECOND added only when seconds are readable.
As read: h=5 m=37
